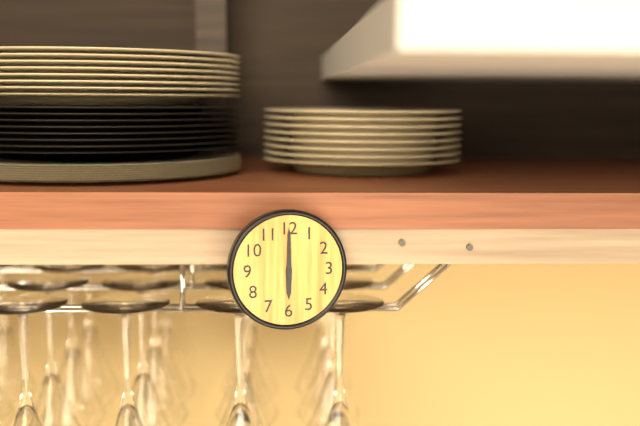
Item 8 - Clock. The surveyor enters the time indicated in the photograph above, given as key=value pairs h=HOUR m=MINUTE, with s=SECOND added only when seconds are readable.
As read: h=6 m=0
